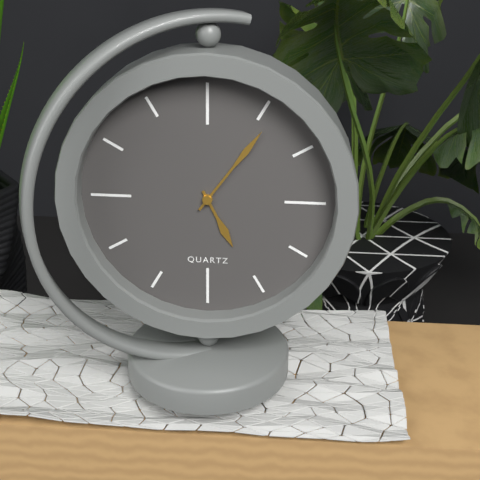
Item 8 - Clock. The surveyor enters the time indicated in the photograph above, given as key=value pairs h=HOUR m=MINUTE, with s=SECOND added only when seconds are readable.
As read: h=5 m=6
